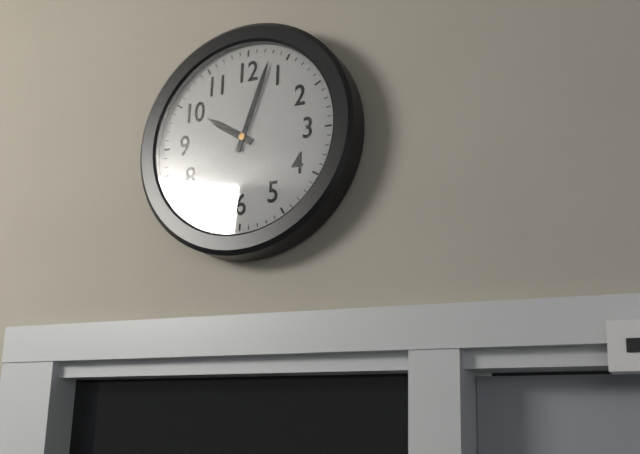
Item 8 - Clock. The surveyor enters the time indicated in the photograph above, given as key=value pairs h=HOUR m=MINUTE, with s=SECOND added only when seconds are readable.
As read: h=10 m=3
